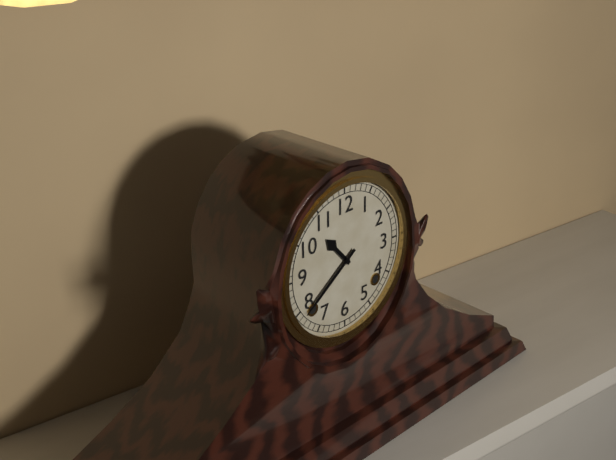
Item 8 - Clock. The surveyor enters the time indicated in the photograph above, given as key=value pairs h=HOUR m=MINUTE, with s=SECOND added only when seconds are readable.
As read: h=10 m=39
